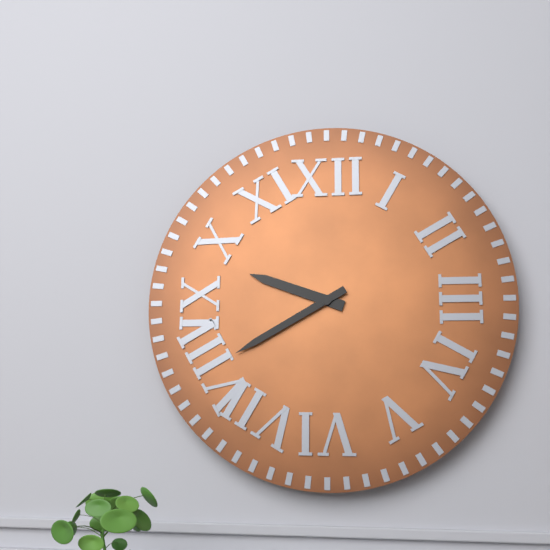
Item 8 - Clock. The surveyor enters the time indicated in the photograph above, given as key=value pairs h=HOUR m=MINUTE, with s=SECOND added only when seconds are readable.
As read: h=9 m=40
